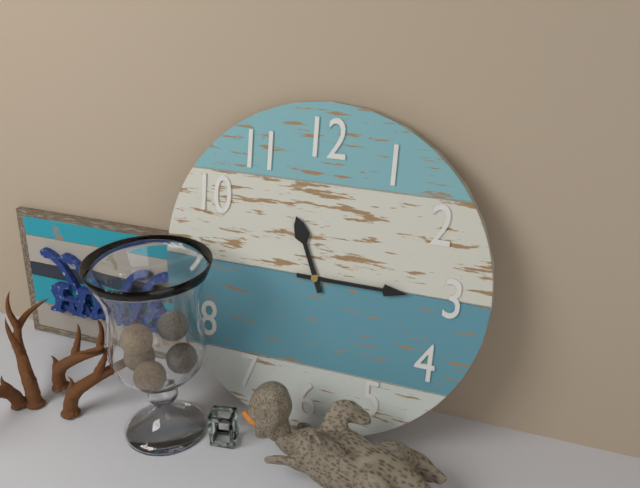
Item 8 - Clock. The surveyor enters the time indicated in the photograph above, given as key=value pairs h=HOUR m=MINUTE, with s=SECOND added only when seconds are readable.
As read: h=11 m=15
